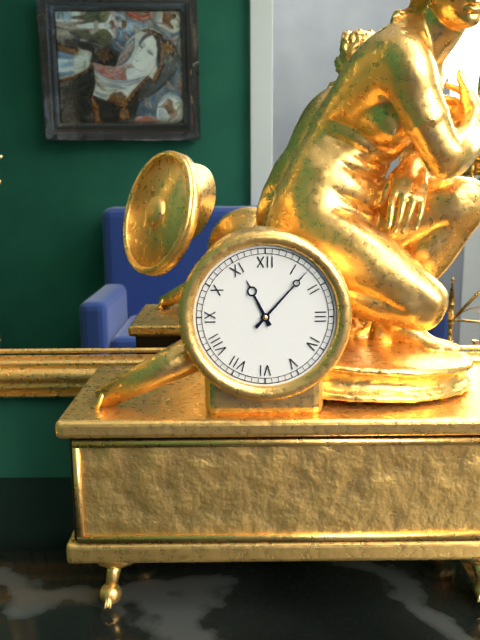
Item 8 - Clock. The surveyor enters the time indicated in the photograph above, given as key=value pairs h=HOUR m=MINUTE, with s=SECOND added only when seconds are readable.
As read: h=11 m=7
